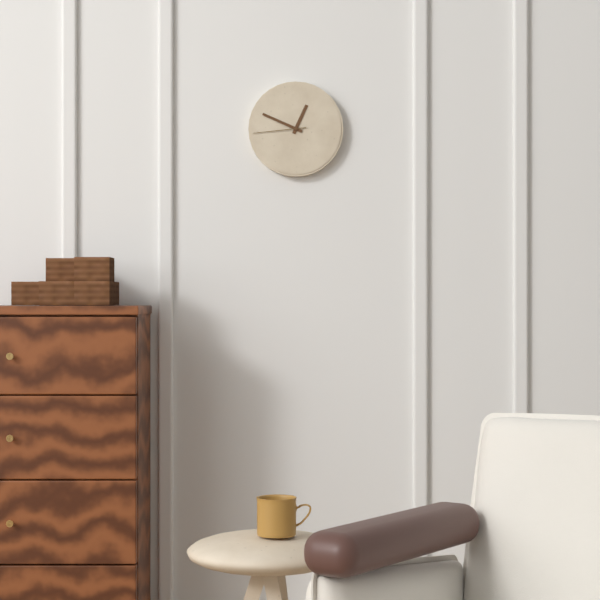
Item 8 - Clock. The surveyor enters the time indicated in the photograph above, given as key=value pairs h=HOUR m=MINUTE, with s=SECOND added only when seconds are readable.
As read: h=12 m=49 s=44
